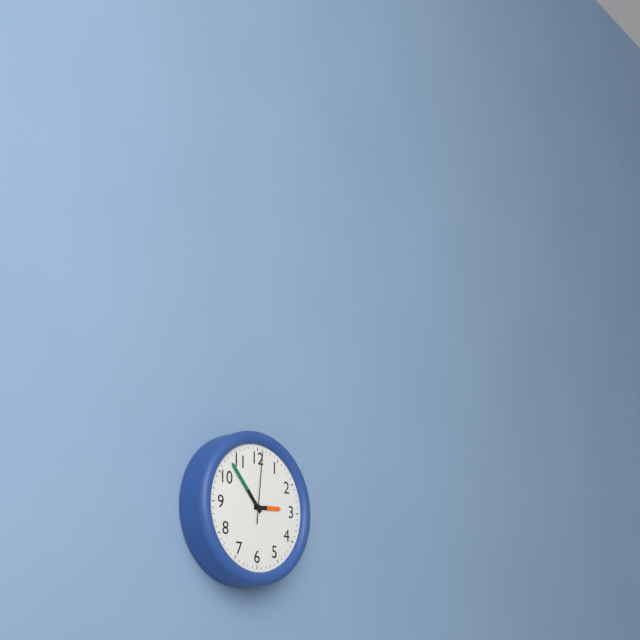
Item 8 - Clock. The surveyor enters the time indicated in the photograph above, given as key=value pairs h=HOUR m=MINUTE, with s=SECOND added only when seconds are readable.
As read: h=2 m=53 s=1
